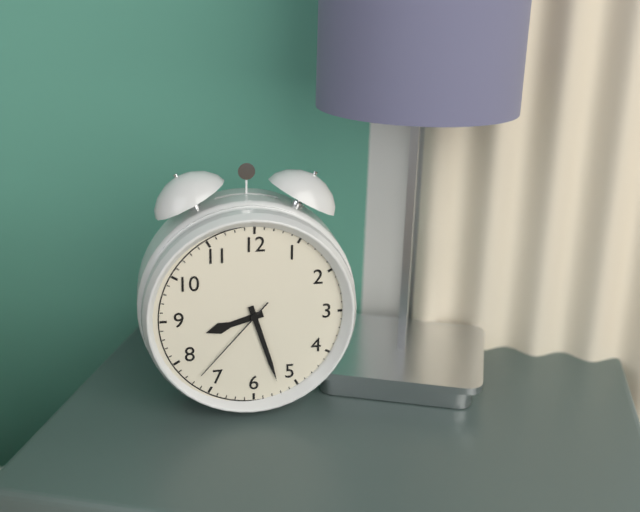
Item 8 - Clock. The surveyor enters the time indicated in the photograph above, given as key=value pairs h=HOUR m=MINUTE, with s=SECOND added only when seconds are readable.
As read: h=8 m=27 s=37
